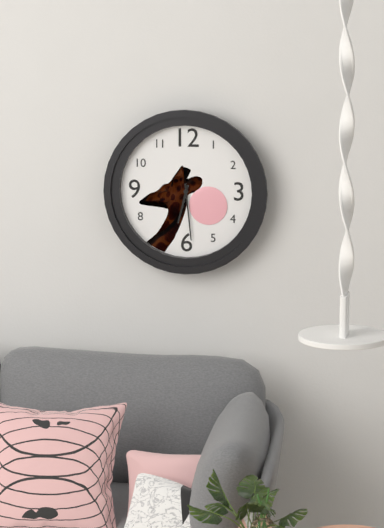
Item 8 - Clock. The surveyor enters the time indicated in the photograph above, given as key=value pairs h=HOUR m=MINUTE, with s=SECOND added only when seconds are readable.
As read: h=6 m=29
